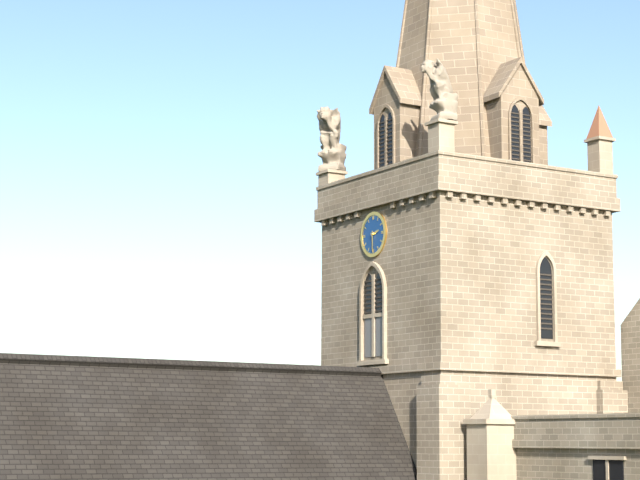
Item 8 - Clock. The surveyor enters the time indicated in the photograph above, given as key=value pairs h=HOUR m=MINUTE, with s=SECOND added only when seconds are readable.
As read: h=2 m=30
